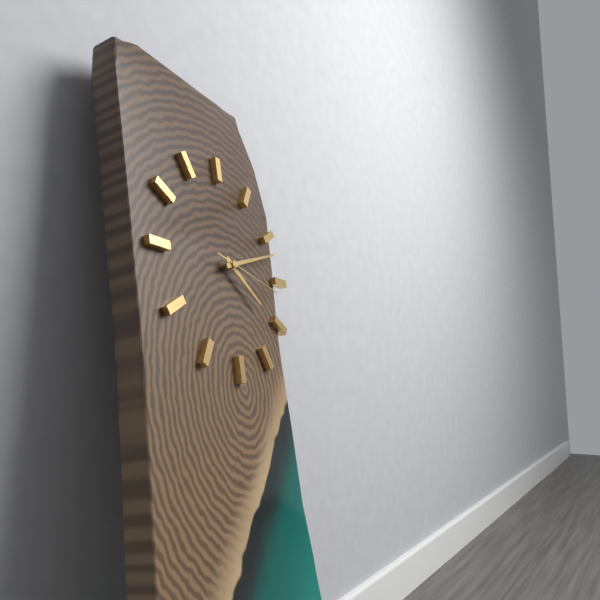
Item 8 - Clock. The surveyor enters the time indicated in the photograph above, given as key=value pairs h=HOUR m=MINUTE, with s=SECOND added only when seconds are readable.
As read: h=4 m=12 s=17
